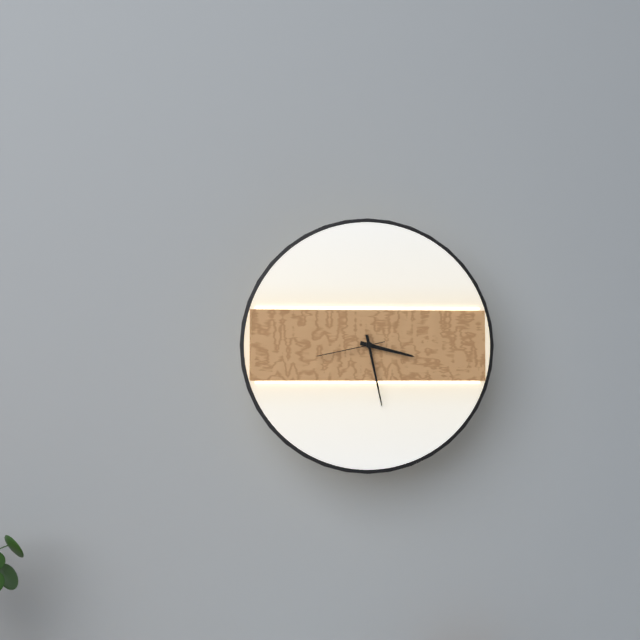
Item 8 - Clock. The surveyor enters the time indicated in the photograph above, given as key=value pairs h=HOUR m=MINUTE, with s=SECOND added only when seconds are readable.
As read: h=3 m=28 s=43
